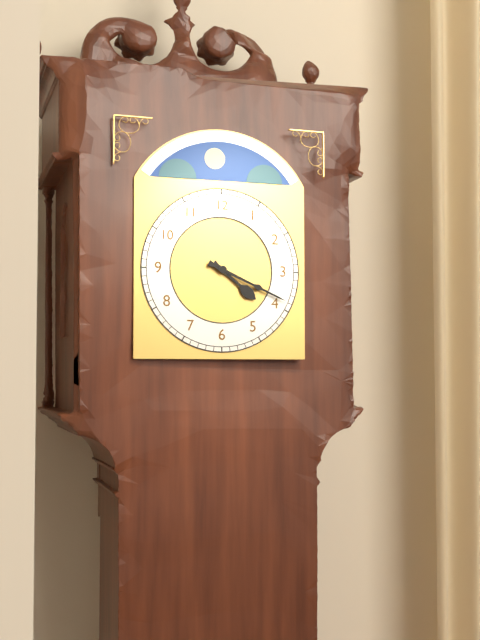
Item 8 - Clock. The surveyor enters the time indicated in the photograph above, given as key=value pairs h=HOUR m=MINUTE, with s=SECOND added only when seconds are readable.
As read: h=4 m=19
